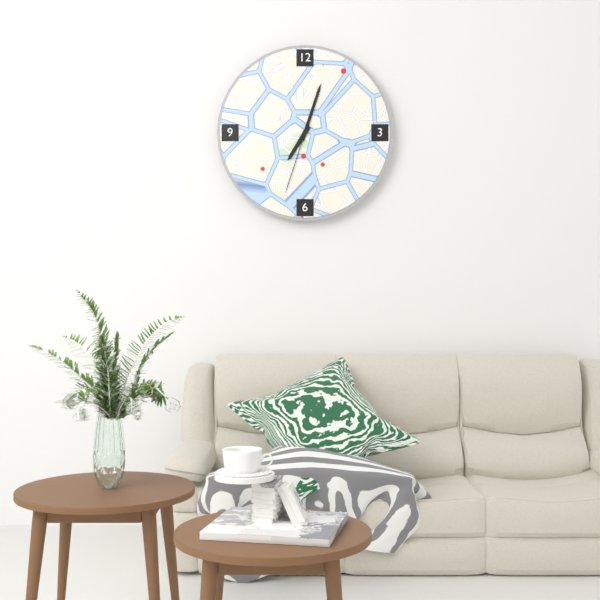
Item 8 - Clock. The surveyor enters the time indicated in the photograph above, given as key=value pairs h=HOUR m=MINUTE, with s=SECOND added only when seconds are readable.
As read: h=7 m=3 s=33
